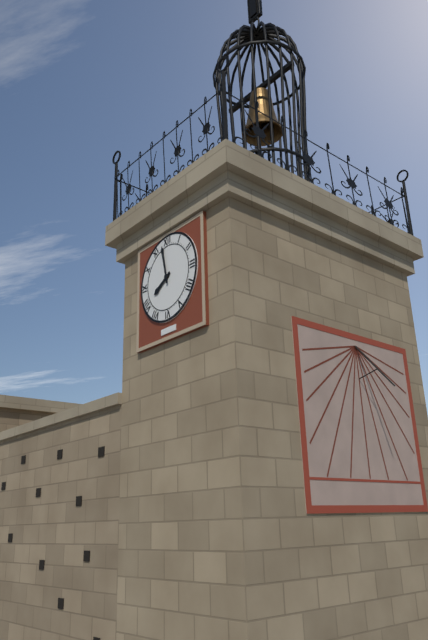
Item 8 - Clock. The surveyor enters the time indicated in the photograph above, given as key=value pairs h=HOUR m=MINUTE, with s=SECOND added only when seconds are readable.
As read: h=7 m=58
